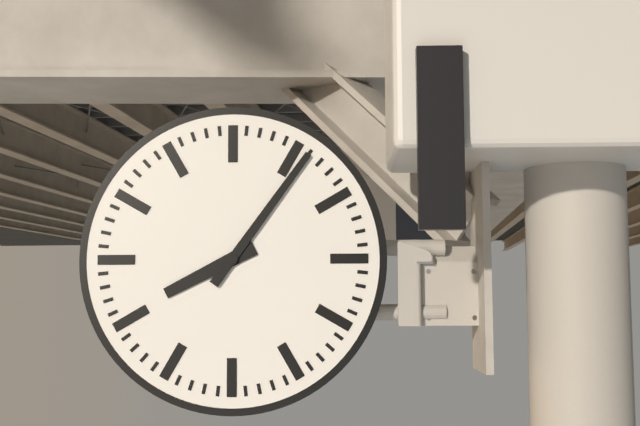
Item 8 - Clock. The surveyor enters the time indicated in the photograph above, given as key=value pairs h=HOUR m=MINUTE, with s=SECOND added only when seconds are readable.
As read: h=8 m=6
